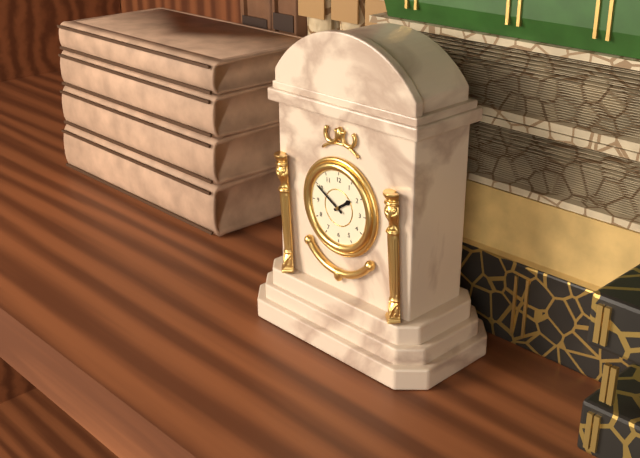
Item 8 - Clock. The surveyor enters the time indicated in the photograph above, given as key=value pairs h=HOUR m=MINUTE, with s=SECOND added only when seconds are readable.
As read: h=1 m=50
